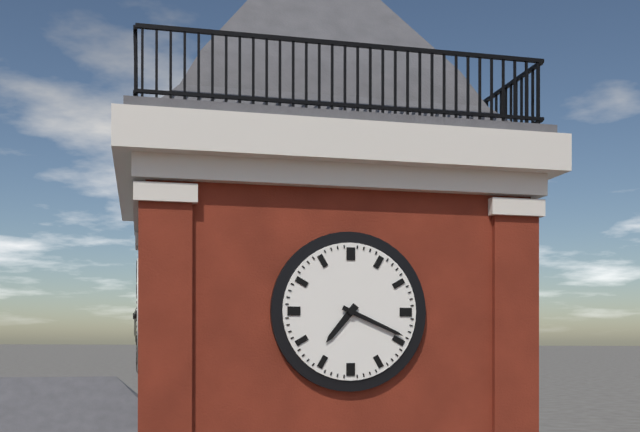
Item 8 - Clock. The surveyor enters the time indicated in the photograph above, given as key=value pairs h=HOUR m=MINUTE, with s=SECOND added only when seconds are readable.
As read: h=7 m=19
